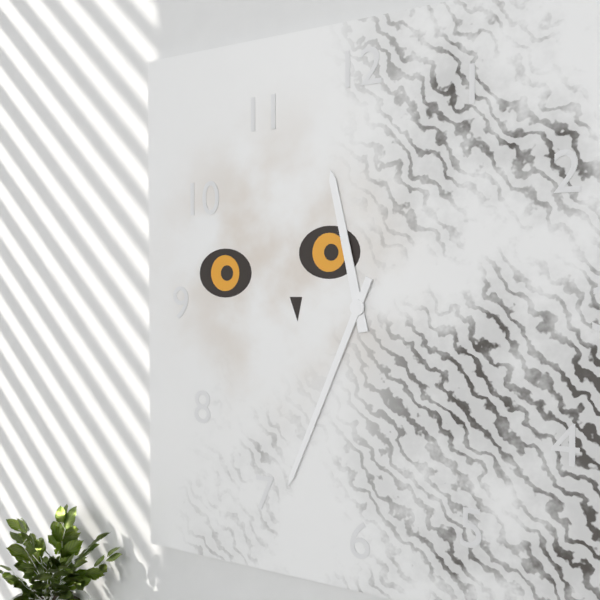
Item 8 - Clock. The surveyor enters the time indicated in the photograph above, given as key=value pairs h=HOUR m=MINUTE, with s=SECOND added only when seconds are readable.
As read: h=11 m=34
